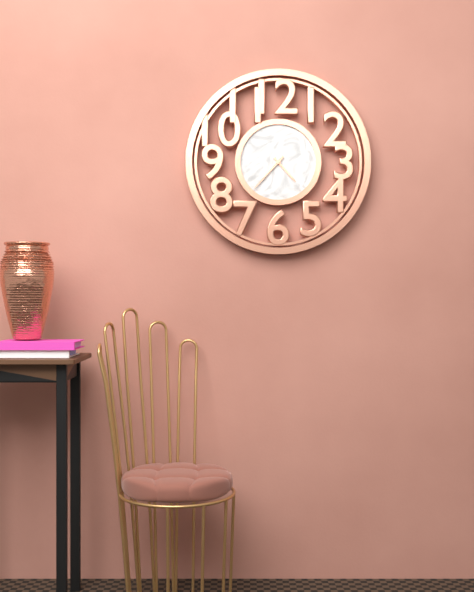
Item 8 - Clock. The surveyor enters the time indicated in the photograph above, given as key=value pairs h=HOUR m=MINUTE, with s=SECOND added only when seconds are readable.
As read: h=4 m=37
